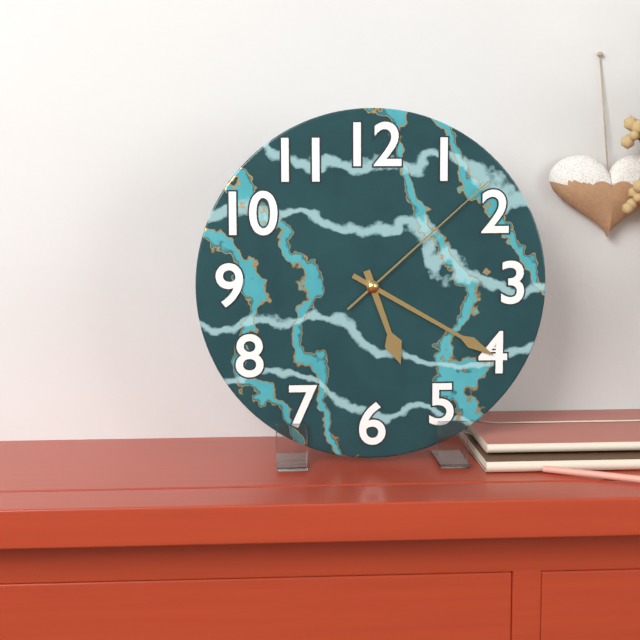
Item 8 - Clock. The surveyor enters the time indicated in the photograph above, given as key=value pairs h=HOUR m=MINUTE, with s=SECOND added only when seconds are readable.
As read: h=5 m=20 s=8
